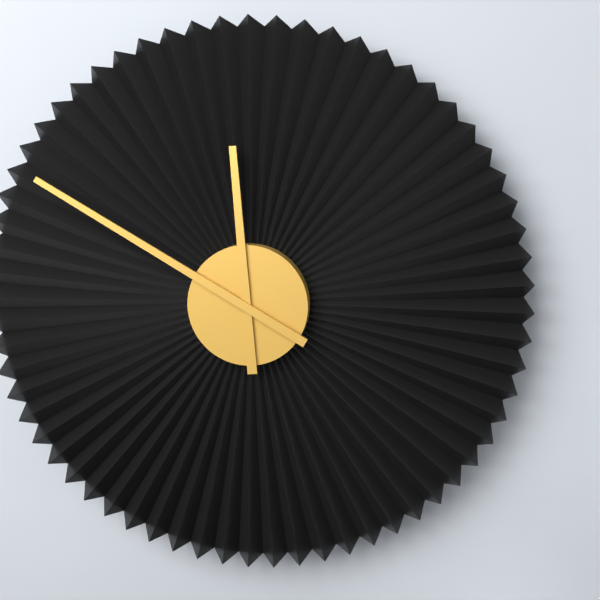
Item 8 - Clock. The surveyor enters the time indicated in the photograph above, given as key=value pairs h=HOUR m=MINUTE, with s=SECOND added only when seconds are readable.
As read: h=11 m=50
